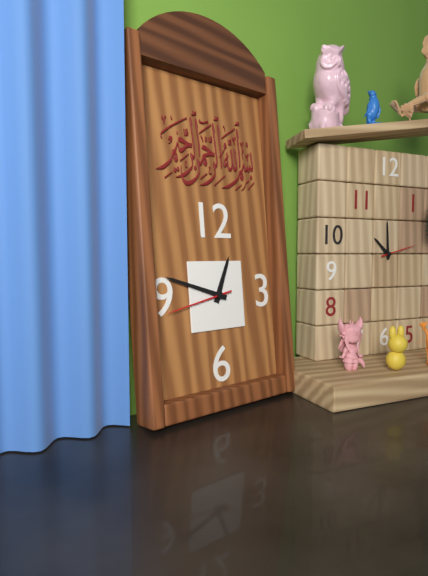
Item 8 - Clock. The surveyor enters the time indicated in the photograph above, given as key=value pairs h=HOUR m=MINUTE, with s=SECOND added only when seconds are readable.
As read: h=12 m=48 s=43
